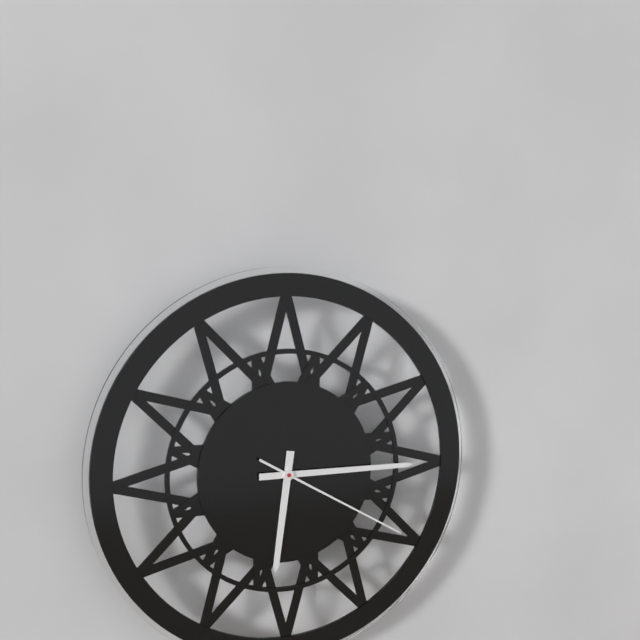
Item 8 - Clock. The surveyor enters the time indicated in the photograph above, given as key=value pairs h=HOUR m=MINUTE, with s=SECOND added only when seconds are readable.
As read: h=6 m=15 s=20
